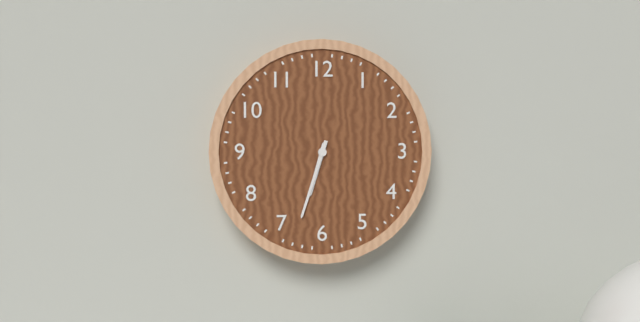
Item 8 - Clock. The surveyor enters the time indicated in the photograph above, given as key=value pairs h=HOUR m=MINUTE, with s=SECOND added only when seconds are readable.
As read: h=6 m=33
